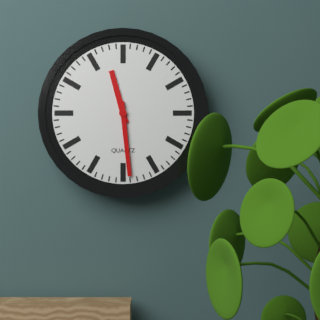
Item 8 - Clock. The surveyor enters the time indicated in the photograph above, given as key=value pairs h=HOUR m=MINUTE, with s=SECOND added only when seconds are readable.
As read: h=11 m=29
